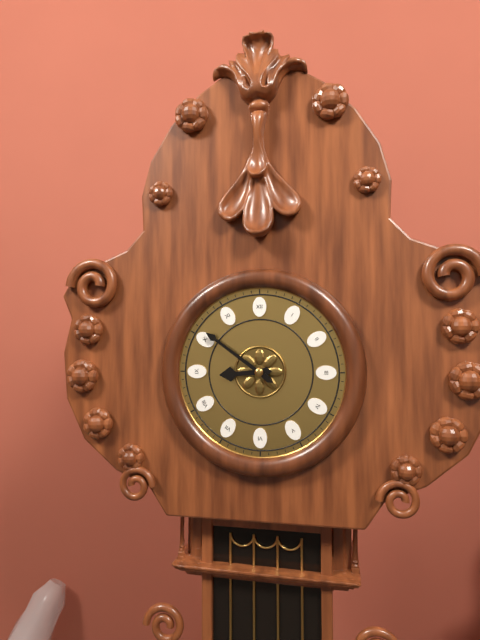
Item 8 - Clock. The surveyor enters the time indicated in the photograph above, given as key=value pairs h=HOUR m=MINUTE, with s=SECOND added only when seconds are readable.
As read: h=8 m=51
